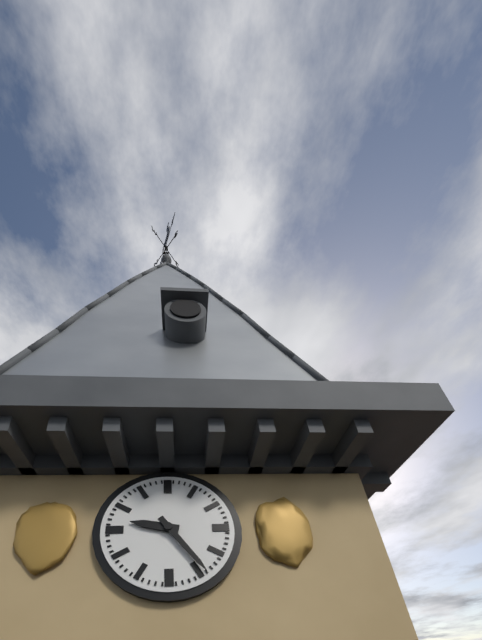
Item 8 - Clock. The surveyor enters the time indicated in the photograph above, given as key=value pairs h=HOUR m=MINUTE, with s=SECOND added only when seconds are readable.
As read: h=9 m=24
